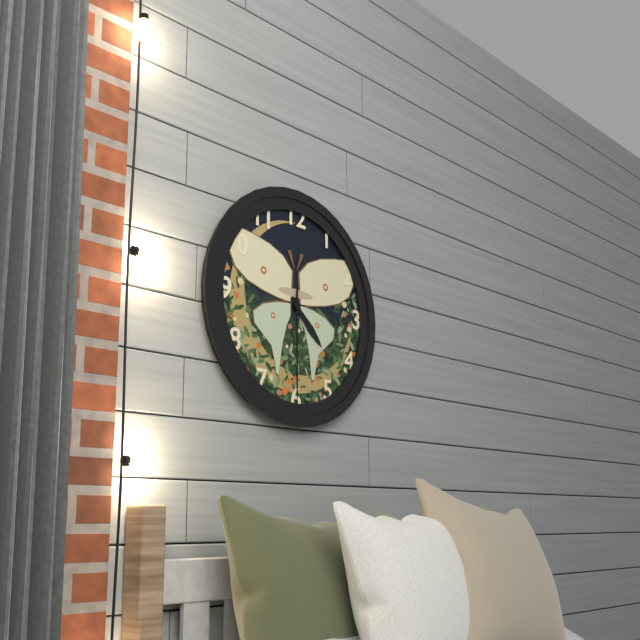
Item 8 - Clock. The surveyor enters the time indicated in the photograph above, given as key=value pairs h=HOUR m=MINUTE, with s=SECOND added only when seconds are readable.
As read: h=4 m=30
